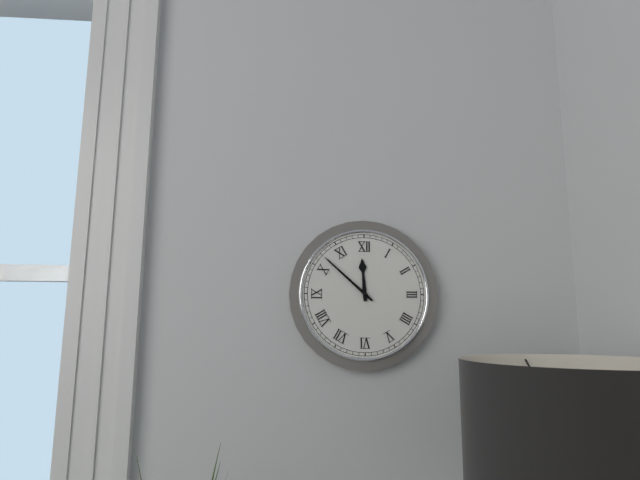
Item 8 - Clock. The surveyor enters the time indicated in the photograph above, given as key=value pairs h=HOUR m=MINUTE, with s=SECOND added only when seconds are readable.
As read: h=11 m=52
